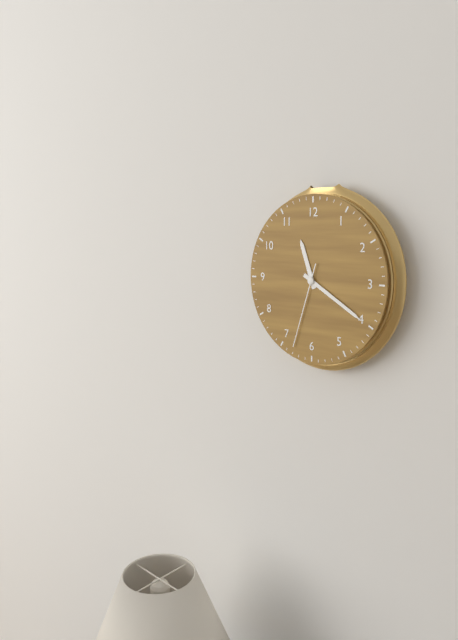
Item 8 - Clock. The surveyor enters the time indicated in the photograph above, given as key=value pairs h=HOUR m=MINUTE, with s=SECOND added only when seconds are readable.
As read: h=11 m=20 s=33
